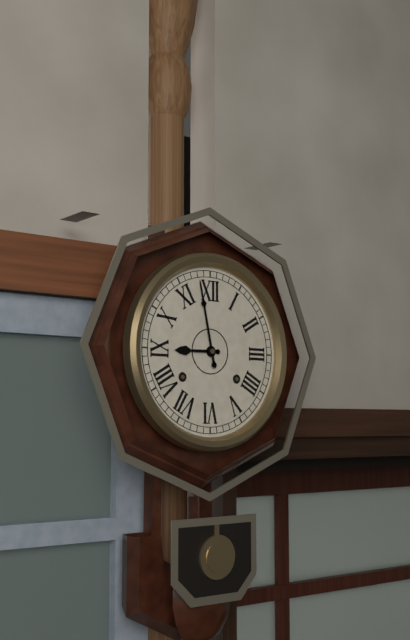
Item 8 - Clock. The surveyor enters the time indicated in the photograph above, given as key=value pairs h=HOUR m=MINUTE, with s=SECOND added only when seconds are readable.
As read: h=8 m=58
